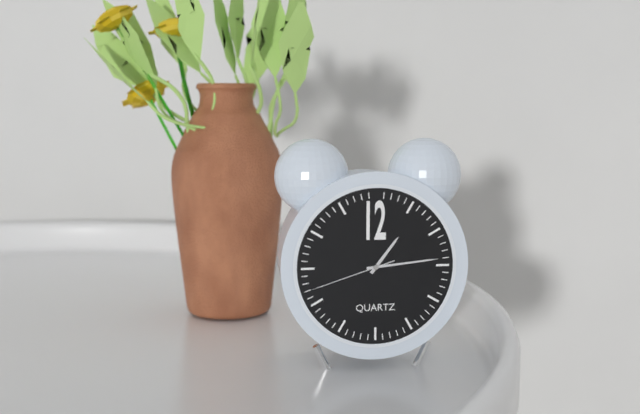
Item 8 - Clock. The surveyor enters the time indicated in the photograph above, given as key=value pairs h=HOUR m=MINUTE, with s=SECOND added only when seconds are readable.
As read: h=1 m=14 s=42
